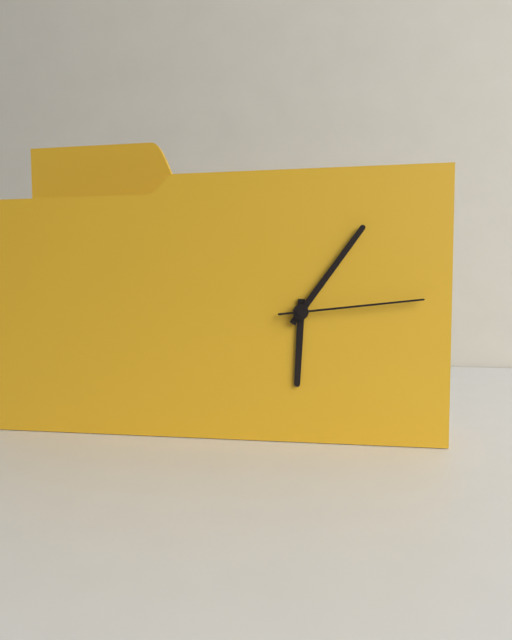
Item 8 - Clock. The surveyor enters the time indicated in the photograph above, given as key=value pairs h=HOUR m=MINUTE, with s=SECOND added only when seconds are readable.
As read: h=6 m=6 s=14
